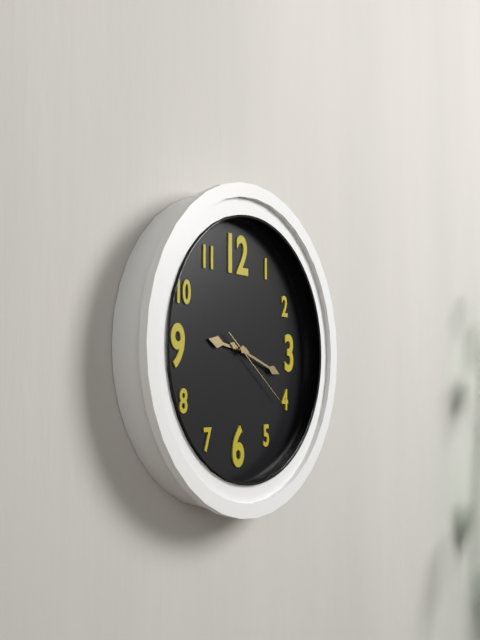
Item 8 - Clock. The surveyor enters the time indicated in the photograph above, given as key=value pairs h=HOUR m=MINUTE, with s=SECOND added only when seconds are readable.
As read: h=9 m=18 s=21
